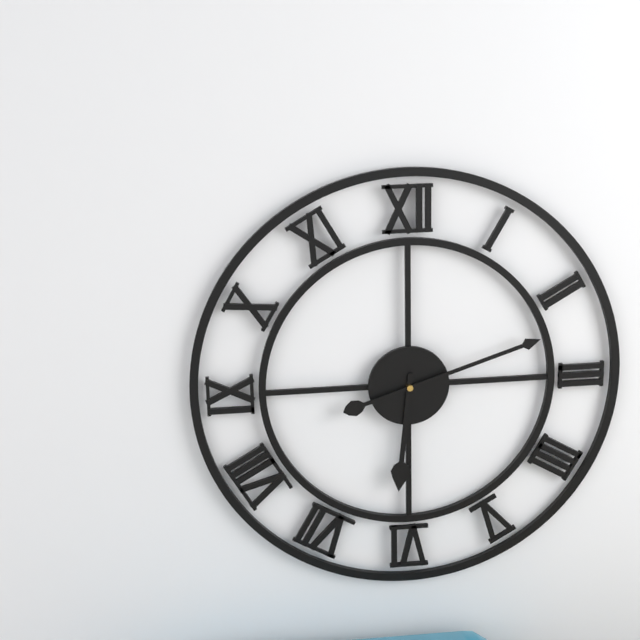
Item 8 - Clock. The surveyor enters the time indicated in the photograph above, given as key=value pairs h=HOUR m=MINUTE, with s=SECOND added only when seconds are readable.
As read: h=6 m=12
